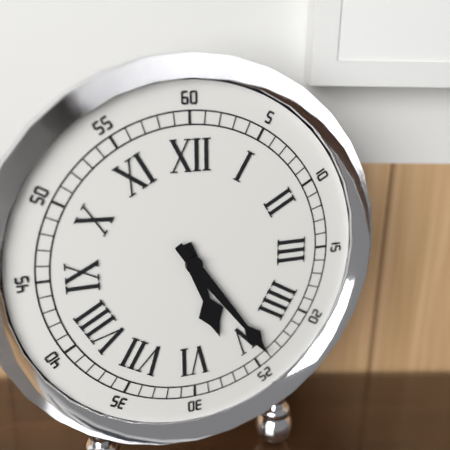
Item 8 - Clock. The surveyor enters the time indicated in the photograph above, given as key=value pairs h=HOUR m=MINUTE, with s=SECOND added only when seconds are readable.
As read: h=5 m=24
